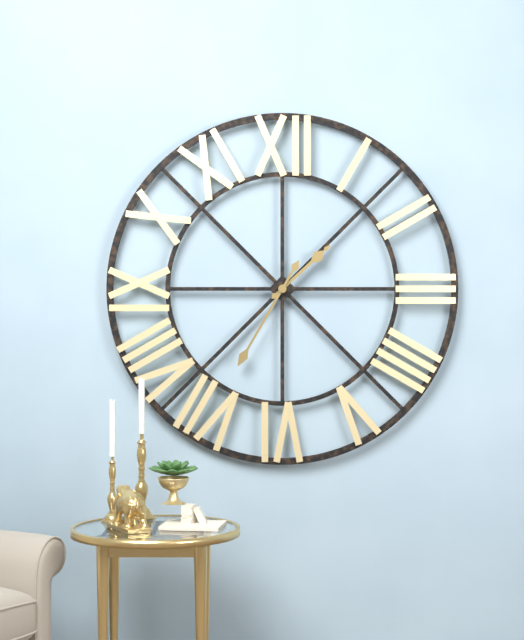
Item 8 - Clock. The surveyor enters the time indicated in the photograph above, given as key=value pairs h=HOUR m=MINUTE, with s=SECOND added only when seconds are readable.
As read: h=1 m=35
